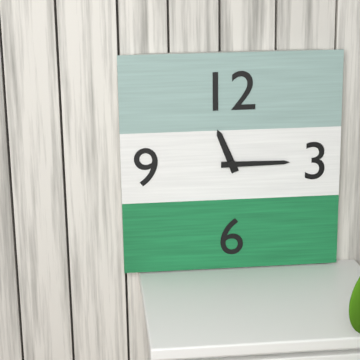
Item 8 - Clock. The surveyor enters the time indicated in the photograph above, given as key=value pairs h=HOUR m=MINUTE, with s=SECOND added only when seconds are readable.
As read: h=11 m=15
